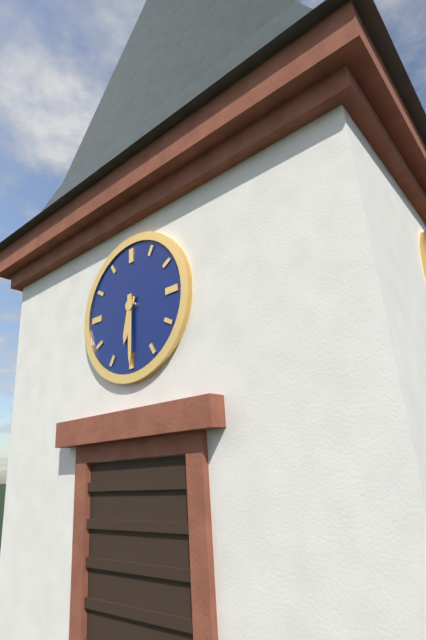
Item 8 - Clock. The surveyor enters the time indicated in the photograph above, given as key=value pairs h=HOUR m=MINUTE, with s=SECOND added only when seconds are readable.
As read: h=6 m=30
